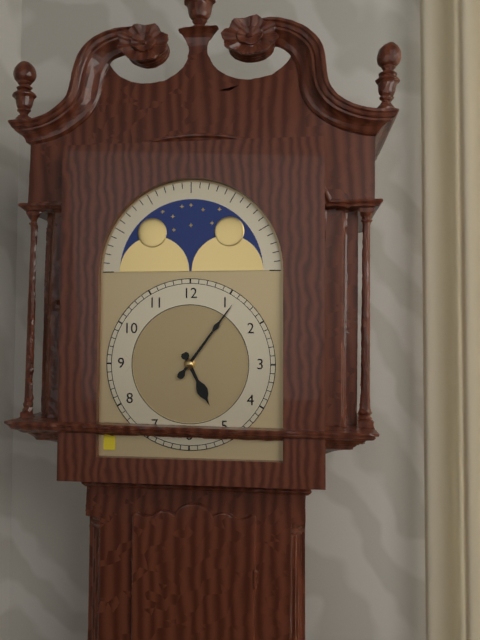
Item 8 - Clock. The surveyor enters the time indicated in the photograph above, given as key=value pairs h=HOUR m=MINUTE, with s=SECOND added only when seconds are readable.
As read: h=5 m=6
